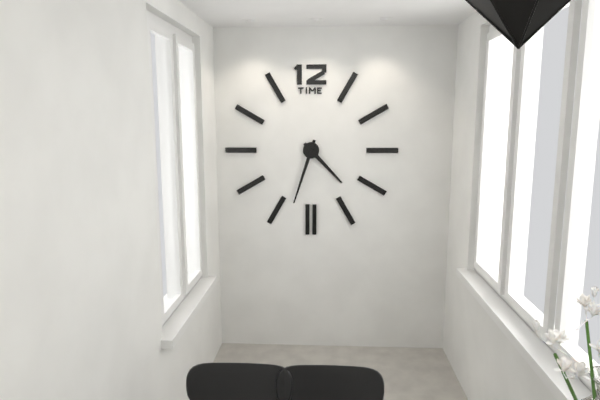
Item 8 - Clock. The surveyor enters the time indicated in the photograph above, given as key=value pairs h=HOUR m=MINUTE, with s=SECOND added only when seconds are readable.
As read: h=4 m=33
